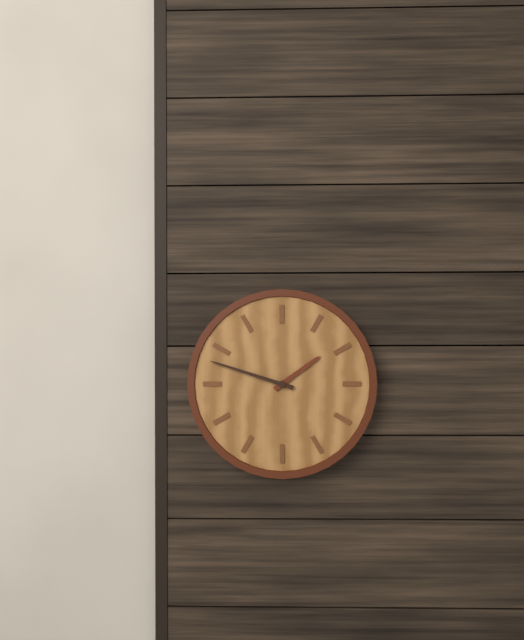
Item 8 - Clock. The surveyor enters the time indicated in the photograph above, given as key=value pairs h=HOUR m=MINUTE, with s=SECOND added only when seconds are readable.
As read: h=1 m=48
